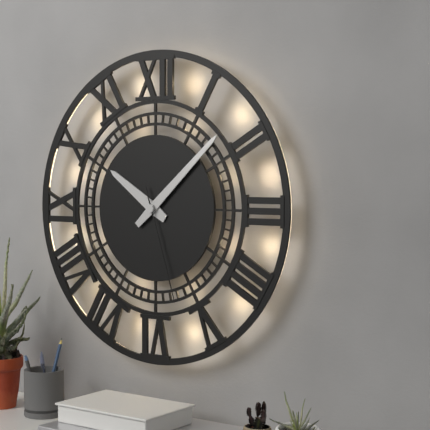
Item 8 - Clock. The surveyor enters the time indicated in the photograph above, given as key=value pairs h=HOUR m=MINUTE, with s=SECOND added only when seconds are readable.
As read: h=10 m=8 s=27
